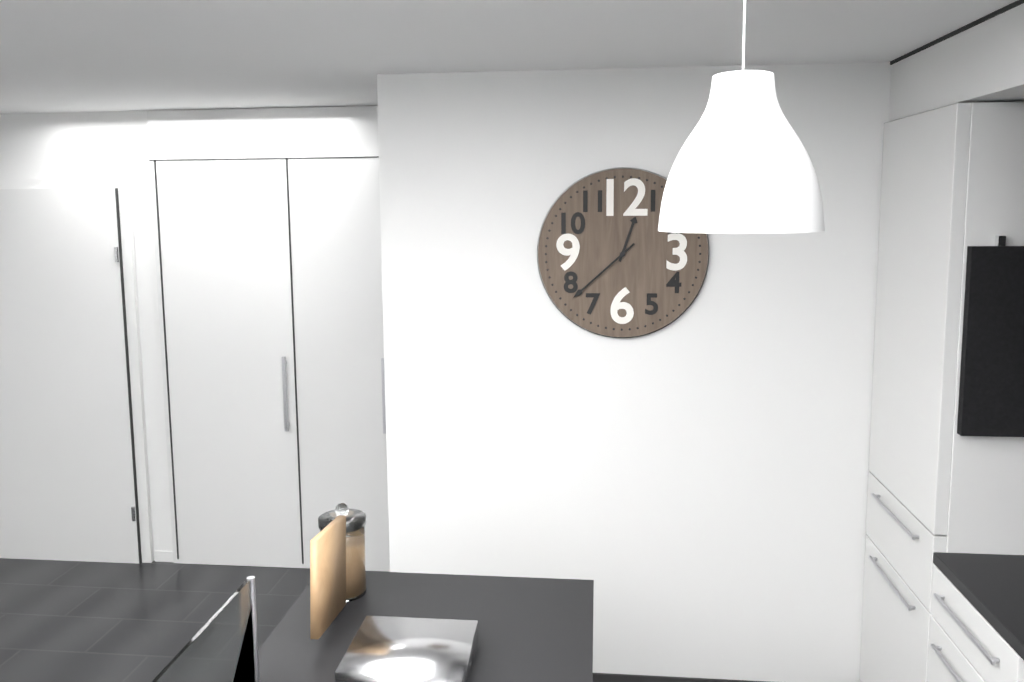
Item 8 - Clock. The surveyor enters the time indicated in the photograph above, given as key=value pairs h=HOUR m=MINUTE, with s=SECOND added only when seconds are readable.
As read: h=12 m=38
